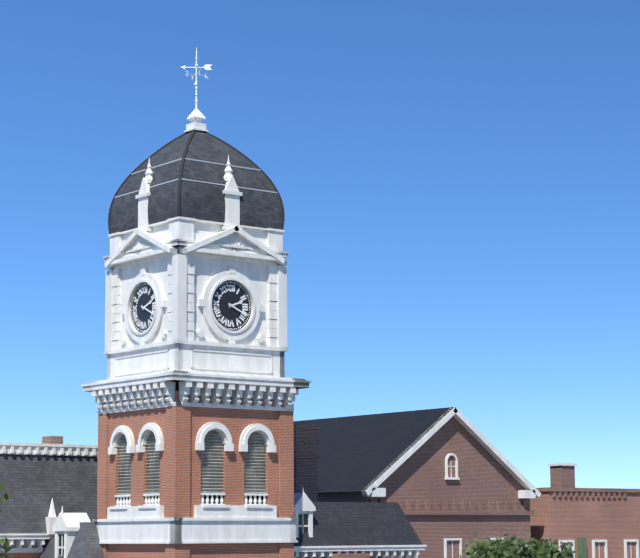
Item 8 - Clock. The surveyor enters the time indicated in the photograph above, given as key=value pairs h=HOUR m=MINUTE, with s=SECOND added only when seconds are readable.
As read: h=2 m=19
